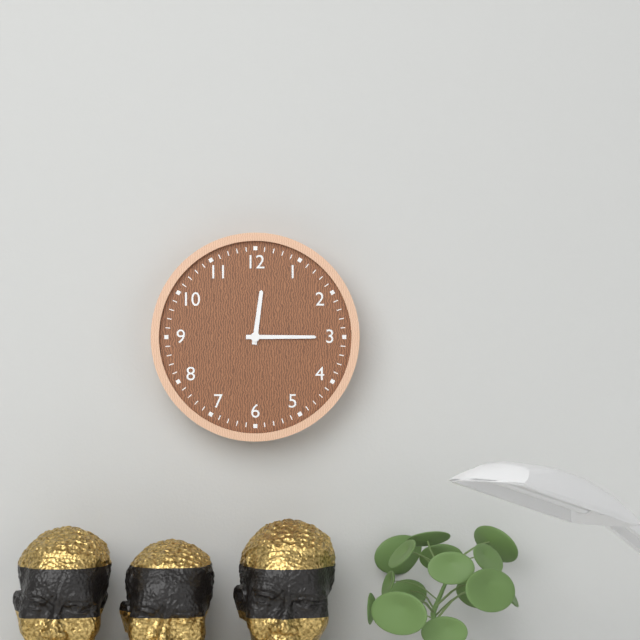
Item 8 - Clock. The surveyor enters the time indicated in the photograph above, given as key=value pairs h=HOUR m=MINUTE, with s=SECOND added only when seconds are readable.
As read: h=12 m=15
